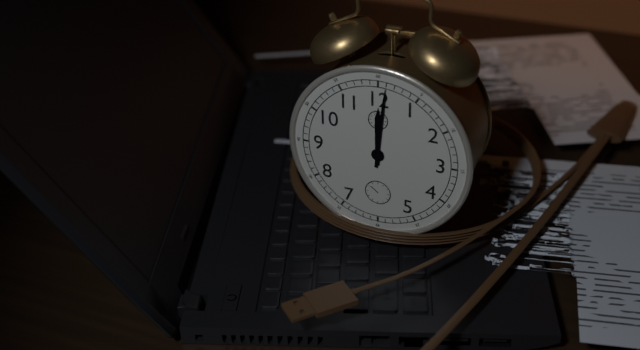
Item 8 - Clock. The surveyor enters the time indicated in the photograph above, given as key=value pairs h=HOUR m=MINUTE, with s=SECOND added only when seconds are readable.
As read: h=12 m=1
